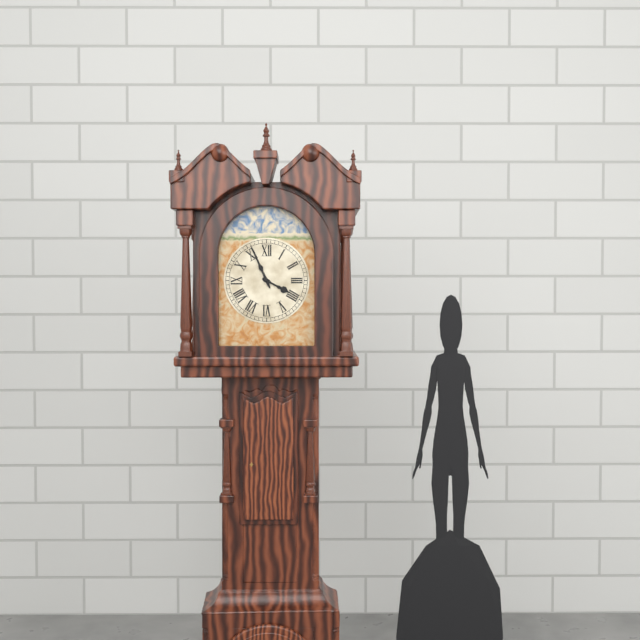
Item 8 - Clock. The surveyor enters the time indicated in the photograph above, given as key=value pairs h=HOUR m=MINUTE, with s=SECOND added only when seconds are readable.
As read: h=3 m=56
